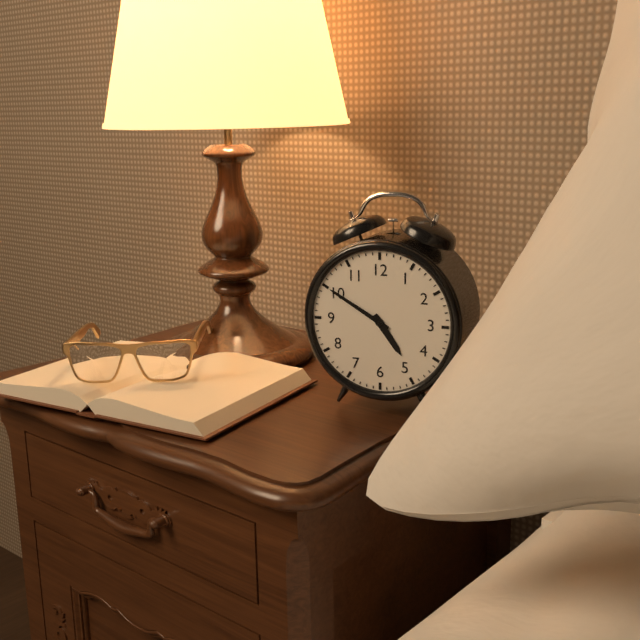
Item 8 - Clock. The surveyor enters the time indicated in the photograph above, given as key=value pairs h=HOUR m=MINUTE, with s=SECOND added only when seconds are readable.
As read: h=4 m=50
